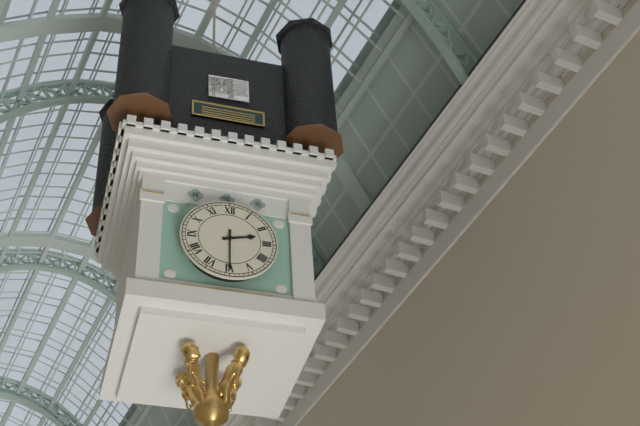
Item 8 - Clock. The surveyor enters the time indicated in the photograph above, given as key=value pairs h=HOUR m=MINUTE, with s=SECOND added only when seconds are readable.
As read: h=2 m=30
